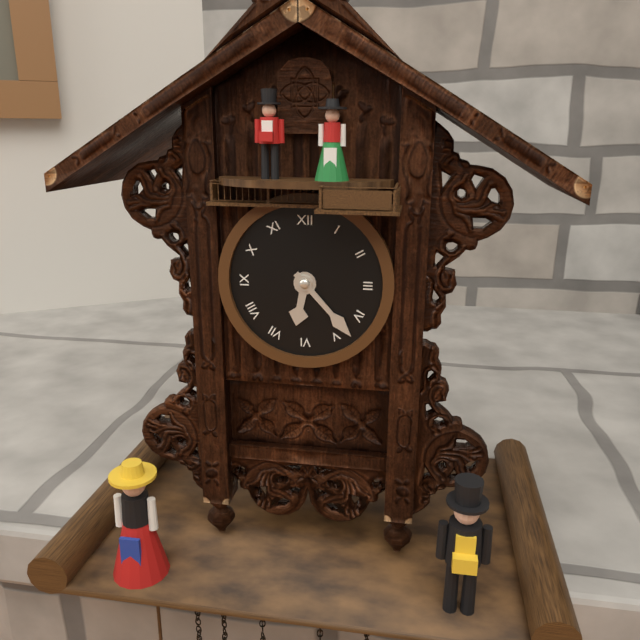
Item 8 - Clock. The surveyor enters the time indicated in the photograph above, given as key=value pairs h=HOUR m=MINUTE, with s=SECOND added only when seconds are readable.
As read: h=6 m=23
